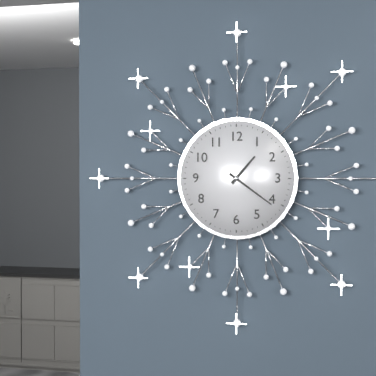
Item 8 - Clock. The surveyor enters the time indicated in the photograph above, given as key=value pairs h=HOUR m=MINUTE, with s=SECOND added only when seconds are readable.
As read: h=1 m=21
